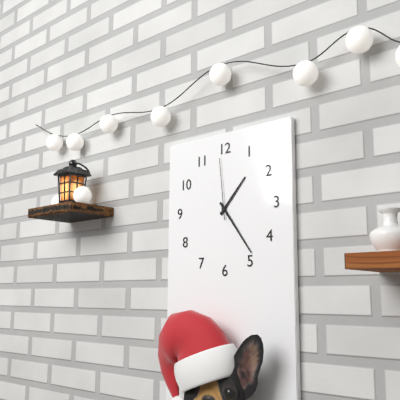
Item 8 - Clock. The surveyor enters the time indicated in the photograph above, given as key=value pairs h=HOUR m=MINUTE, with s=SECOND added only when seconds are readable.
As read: h=1 m=24 s=59
